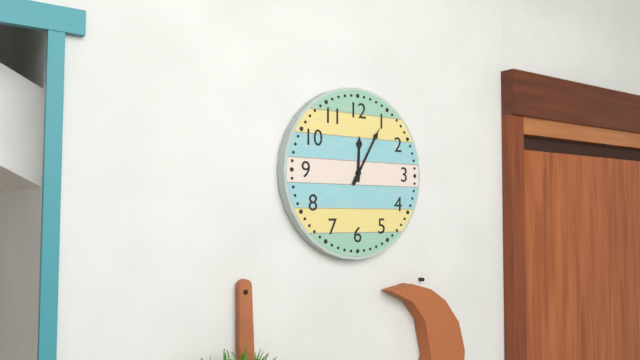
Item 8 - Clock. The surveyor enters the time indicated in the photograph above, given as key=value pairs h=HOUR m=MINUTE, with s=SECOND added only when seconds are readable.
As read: h=12 m=5
